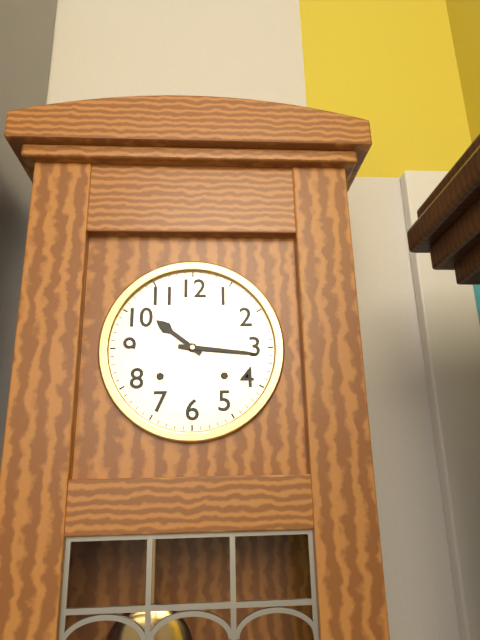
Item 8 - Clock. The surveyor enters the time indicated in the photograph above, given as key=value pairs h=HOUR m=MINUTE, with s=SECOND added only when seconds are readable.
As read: h=10 m=16
